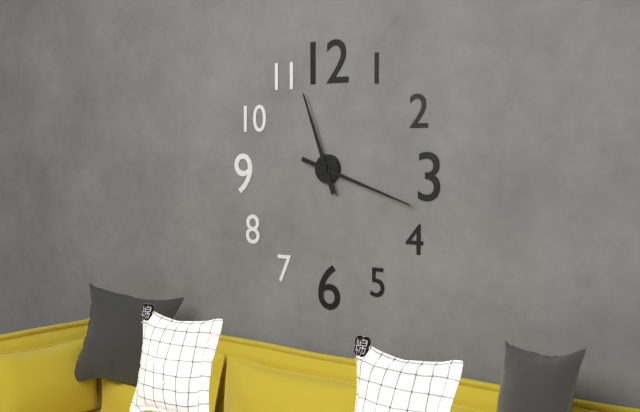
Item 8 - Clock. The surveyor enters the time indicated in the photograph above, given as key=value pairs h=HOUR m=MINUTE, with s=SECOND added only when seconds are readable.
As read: h=11 m=18
